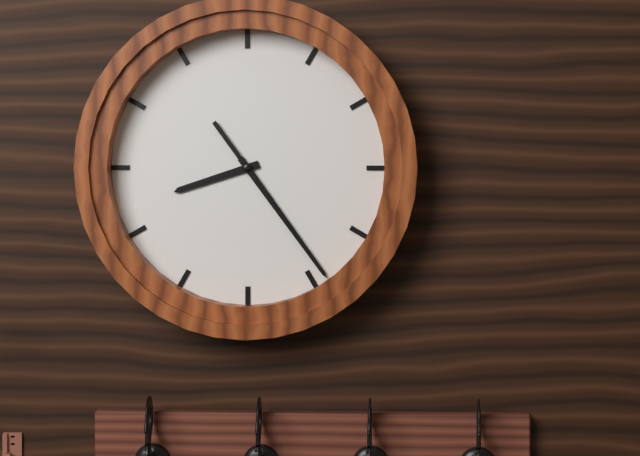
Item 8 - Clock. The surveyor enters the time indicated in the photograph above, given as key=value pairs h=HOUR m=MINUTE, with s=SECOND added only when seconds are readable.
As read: h=8 m=24 s=24
